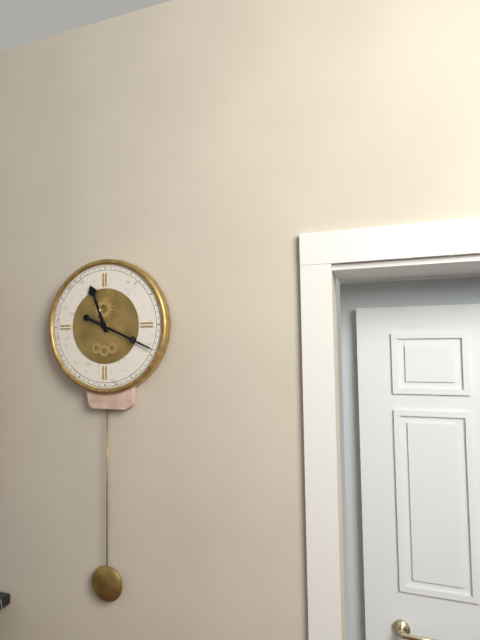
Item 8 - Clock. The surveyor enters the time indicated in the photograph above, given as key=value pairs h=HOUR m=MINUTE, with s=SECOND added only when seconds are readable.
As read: h=11 m=19
